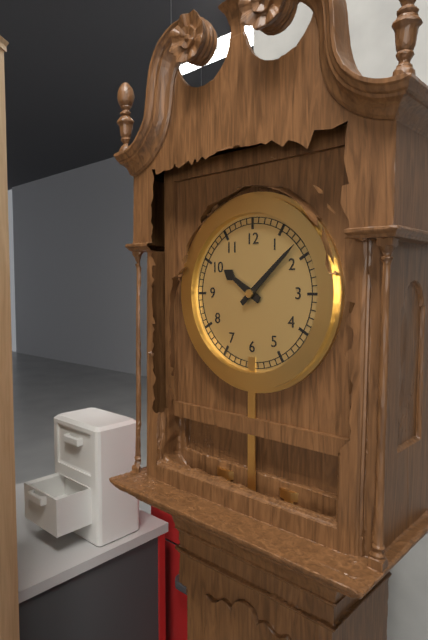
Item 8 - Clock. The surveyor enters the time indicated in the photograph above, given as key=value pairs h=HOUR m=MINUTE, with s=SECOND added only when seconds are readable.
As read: h=10 m=8
